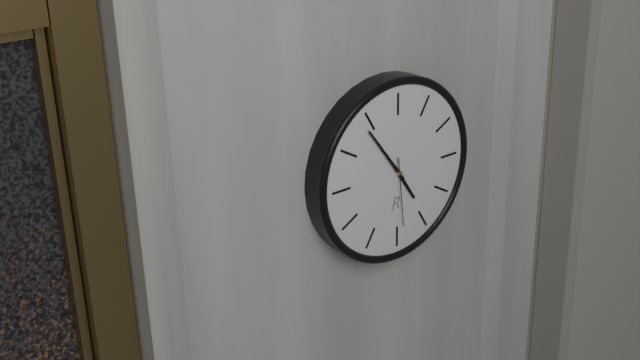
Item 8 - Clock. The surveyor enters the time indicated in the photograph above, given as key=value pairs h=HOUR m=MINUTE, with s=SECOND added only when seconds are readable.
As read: h=4 m=54 s=29
